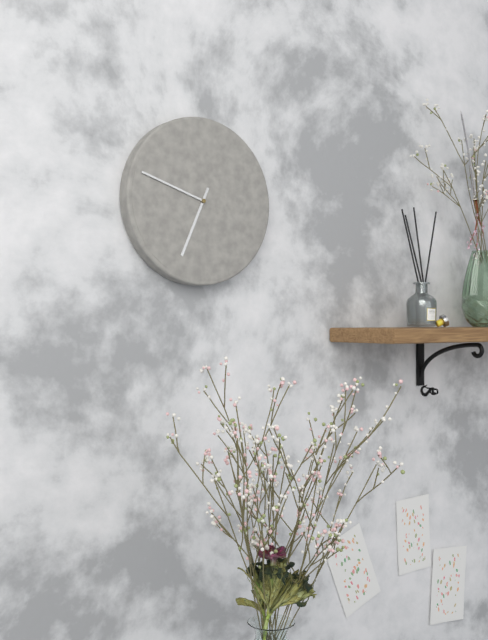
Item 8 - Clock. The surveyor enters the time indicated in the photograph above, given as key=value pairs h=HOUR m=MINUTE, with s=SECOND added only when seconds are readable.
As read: h=6 m=48
